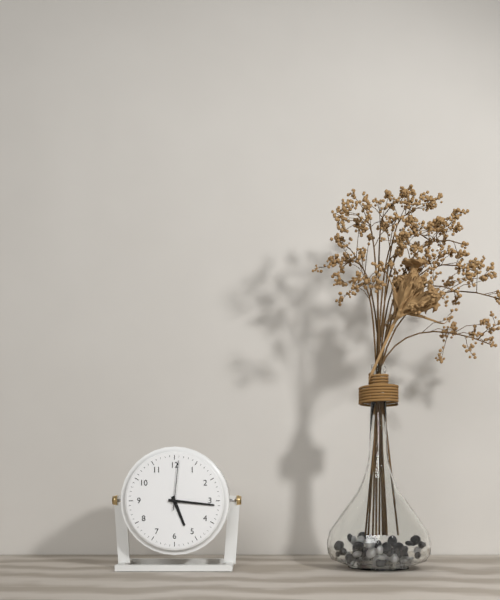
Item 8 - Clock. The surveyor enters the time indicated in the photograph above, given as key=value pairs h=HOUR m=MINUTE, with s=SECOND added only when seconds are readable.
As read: h=5 m=16 s=1
